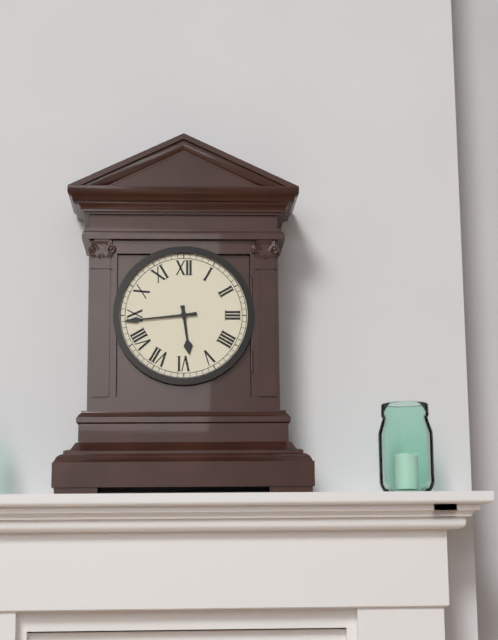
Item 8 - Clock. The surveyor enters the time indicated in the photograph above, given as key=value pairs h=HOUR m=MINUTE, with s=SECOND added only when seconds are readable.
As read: h=5 m=44
